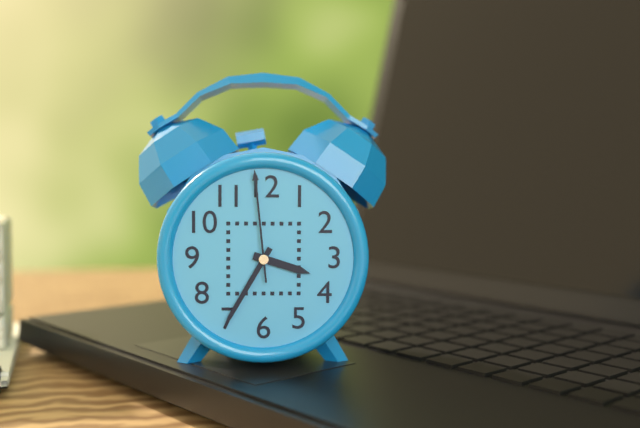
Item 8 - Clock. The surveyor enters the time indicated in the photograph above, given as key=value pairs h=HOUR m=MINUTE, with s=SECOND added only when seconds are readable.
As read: h=3 m=35 s=59
